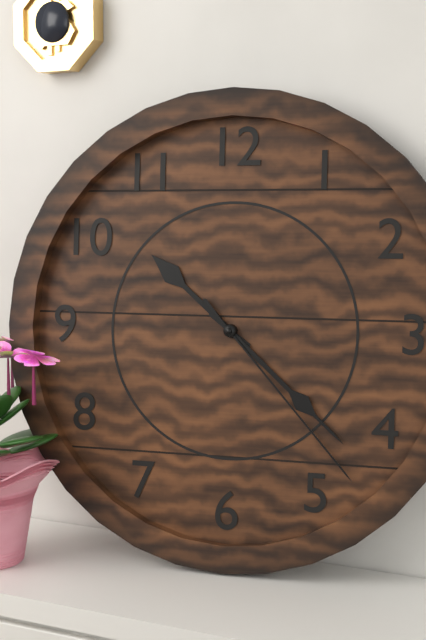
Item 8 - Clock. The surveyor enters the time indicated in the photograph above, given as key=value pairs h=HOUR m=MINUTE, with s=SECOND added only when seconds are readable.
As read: h=10 m=22 s=23
